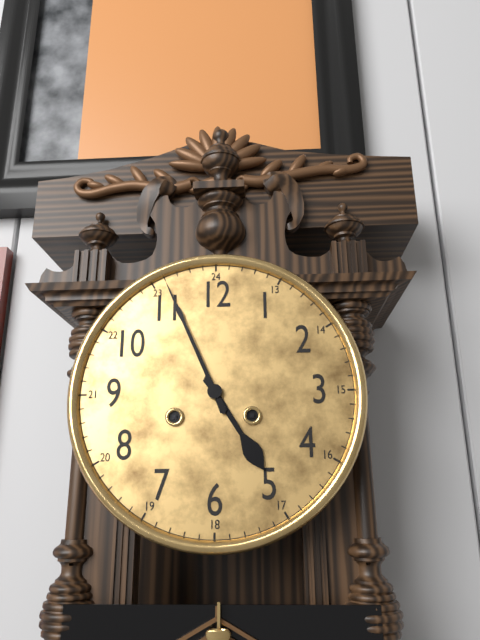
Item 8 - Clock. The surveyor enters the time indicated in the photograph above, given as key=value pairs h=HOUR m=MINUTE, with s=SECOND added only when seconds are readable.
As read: h=4 m=56
